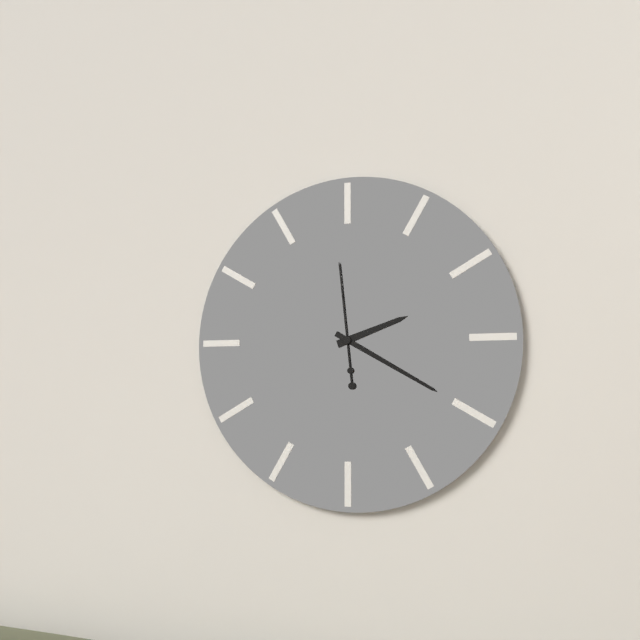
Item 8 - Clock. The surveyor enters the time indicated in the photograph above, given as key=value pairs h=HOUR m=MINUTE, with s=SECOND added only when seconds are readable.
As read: h=2 m=20 s=59
